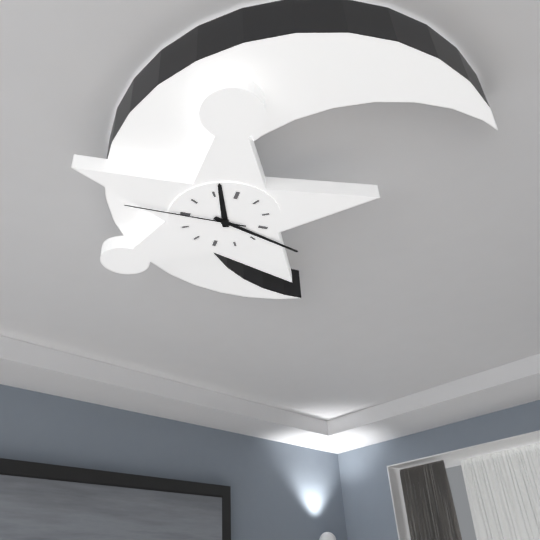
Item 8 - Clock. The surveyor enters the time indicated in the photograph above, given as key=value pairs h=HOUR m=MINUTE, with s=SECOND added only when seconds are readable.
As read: h=11 m=18 s=45
